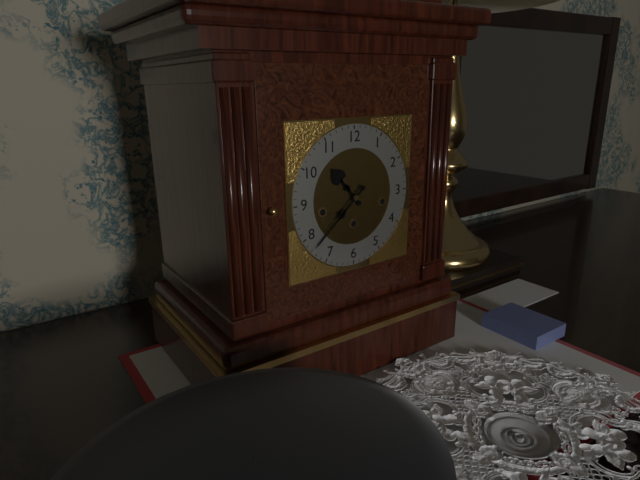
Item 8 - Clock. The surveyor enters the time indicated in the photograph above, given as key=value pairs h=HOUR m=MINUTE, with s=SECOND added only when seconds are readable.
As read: h=10 m=38
